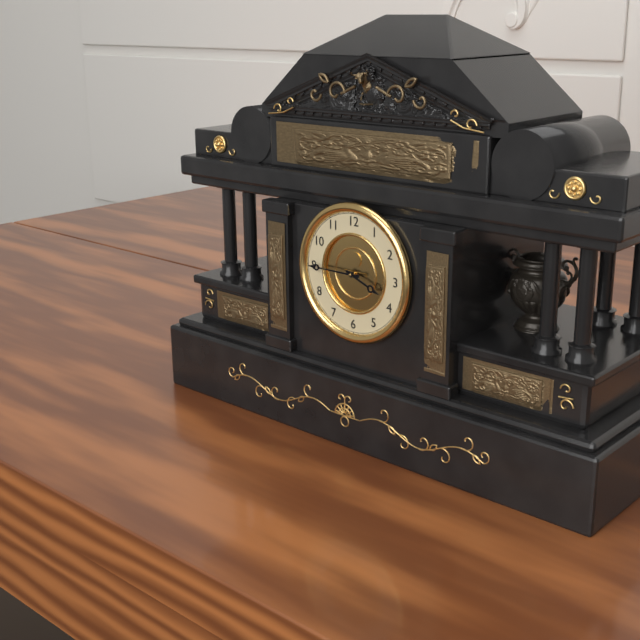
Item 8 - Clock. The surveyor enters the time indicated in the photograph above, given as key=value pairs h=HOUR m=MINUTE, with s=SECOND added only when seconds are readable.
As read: h=3 m=45
